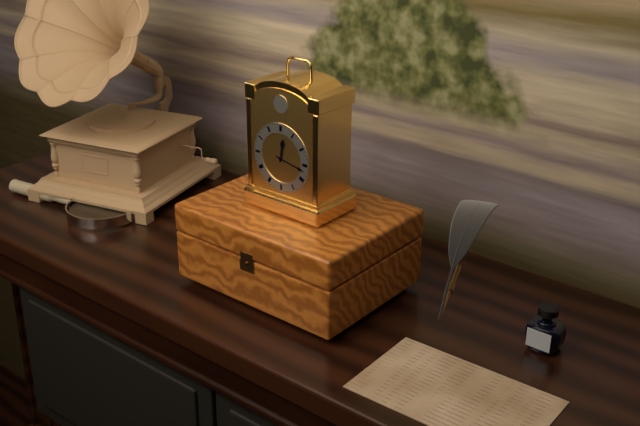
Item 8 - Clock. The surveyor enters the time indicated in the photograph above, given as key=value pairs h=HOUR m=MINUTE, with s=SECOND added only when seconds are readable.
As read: h=12 m=17
